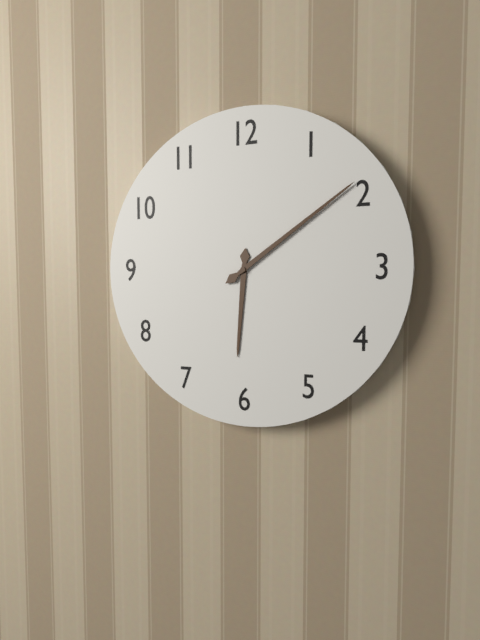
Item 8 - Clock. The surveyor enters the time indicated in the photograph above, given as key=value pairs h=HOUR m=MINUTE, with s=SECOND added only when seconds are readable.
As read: h=6 m=9
